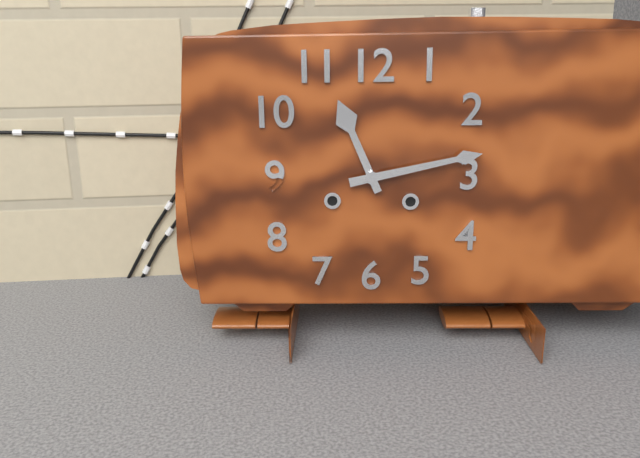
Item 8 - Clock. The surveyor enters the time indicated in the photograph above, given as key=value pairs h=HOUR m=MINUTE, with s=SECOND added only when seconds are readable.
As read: h=11 m=13
